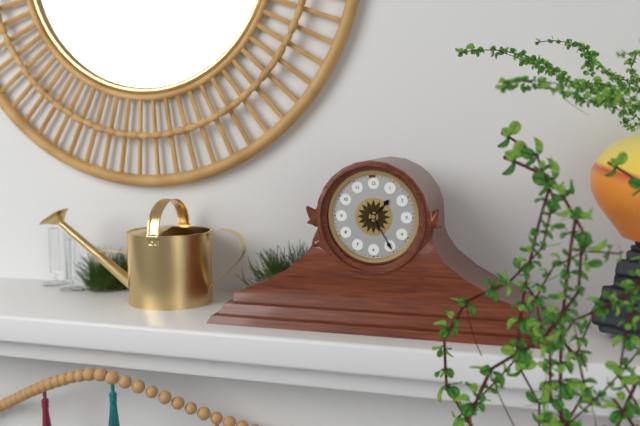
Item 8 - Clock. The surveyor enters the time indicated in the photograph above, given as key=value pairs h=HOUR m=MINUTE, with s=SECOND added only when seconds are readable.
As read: h=1 m=25
